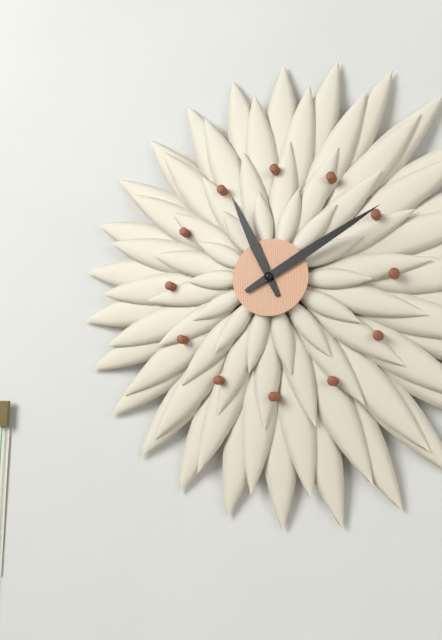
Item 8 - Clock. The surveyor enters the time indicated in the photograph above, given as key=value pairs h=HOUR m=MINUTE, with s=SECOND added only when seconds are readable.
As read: h=11 m=10
